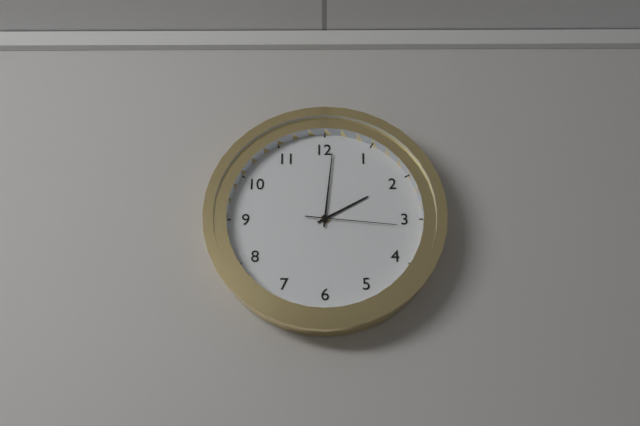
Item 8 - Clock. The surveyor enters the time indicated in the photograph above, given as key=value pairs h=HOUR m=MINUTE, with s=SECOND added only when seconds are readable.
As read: h=2 m=1 s=16
